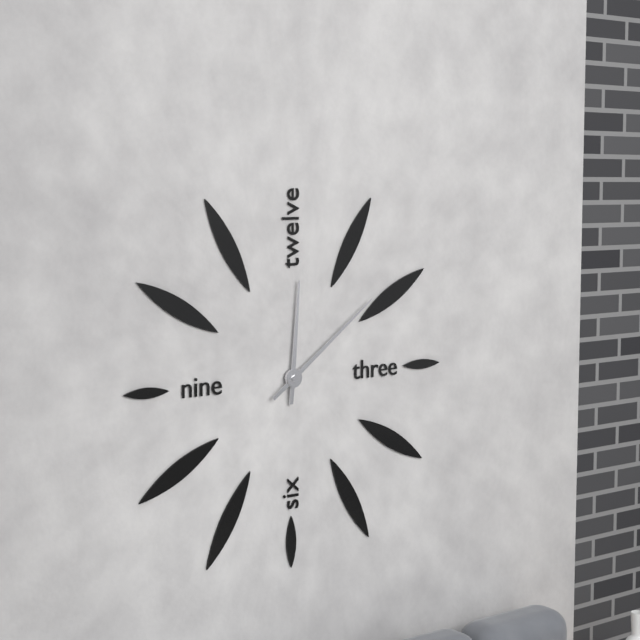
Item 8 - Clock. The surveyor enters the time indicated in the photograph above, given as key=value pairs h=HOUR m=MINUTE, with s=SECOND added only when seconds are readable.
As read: h=12 m=9
